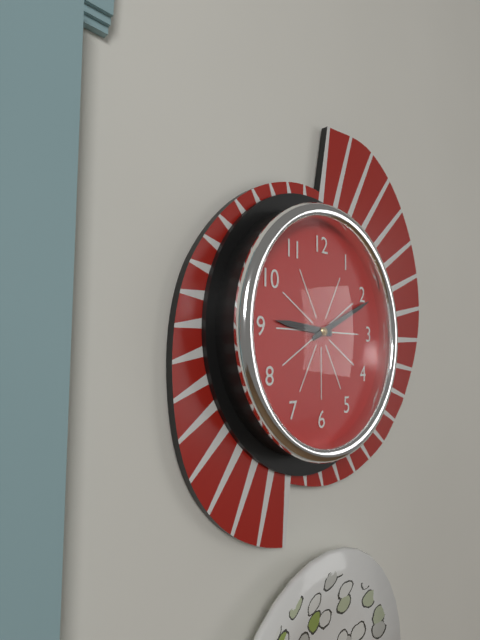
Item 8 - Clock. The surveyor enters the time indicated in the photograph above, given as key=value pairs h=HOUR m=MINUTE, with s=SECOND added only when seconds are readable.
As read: h=9 m=11
